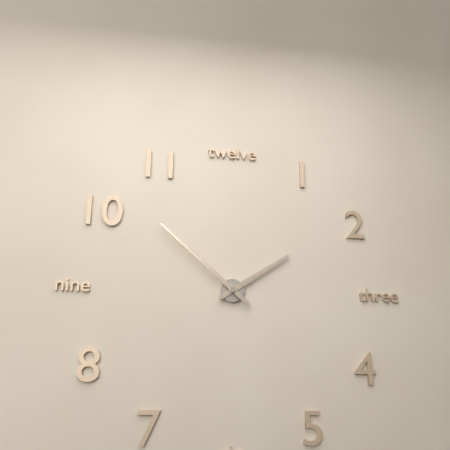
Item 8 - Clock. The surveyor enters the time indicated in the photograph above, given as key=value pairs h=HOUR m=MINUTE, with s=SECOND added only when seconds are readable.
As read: h=1 m=52
